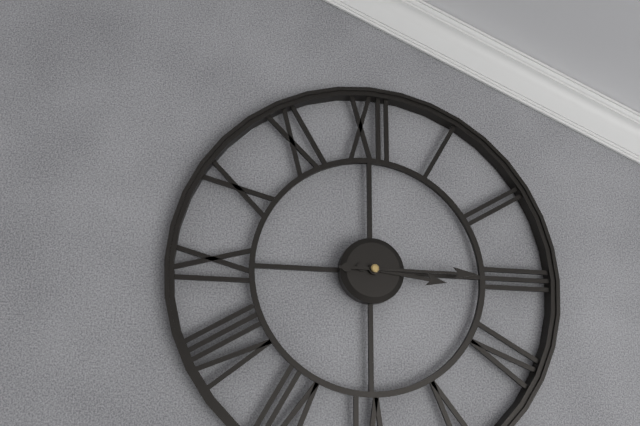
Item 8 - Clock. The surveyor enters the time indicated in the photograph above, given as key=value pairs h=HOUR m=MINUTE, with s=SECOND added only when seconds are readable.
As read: h=3 m=15
